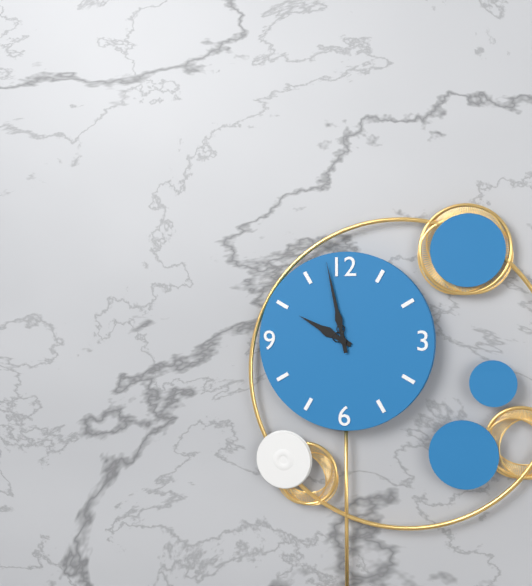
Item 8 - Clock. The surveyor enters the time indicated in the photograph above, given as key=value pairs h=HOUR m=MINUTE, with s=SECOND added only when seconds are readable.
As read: h=9 m=58
